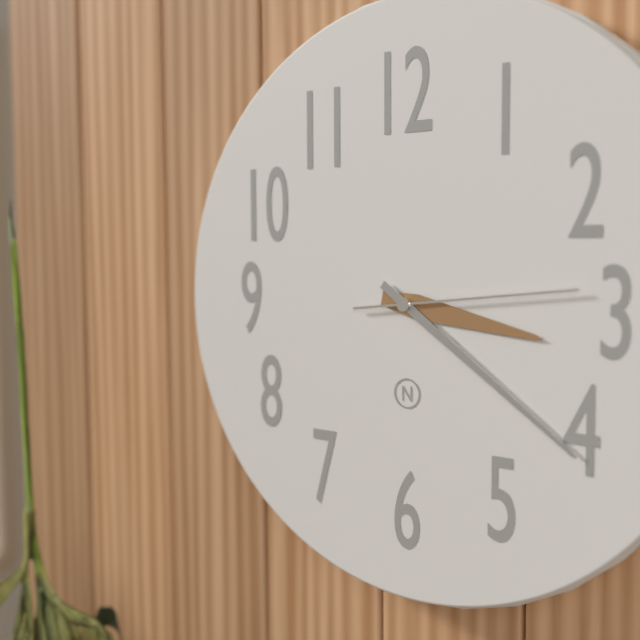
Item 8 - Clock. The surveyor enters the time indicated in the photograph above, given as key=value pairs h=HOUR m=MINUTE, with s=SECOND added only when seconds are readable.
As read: h=3 m=21 s=14
